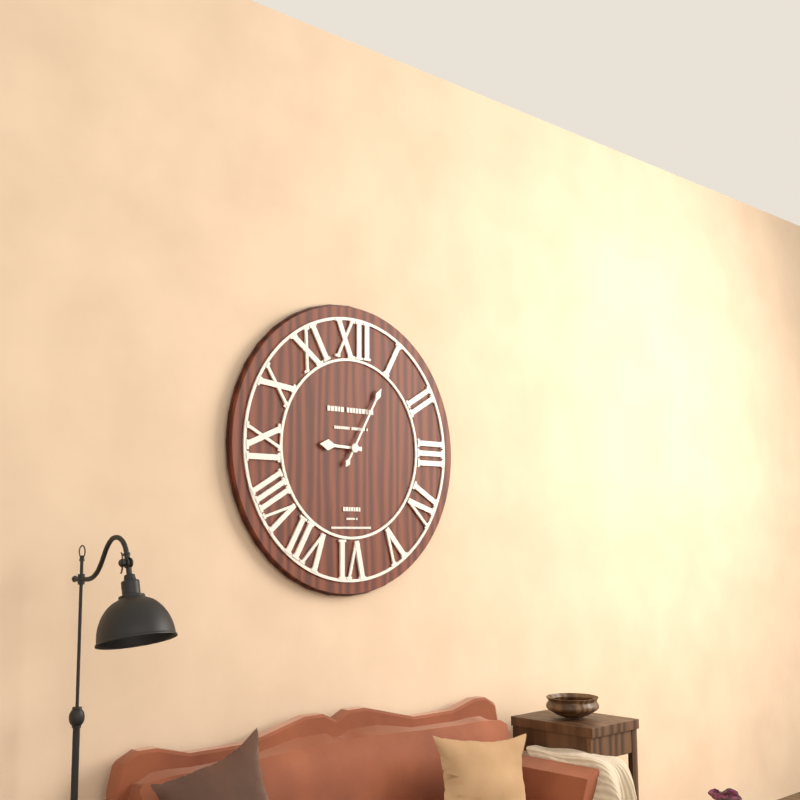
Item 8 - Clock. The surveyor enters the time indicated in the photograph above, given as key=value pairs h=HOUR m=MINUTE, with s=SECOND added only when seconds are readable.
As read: h=9 m=5
